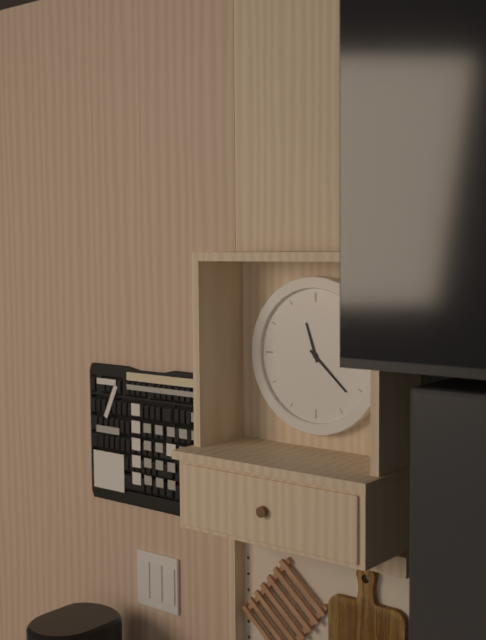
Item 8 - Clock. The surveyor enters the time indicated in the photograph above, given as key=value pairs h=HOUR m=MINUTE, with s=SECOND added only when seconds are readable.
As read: h=11 m=22
